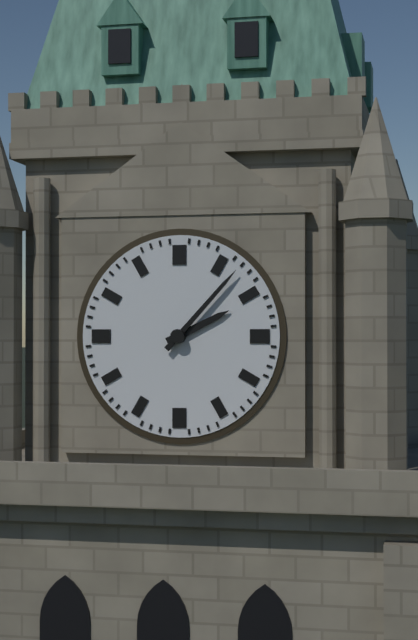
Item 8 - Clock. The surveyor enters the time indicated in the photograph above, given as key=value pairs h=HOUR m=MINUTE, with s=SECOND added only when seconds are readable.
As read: h=2 m=7
